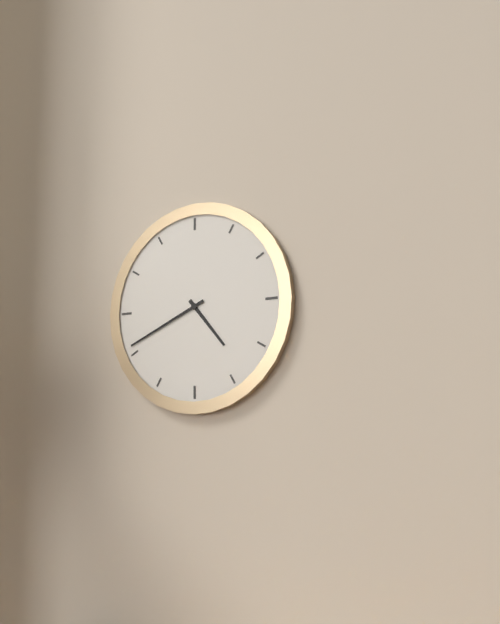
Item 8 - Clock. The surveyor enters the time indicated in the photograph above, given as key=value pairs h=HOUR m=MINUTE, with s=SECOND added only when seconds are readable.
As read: h=4 m=41
